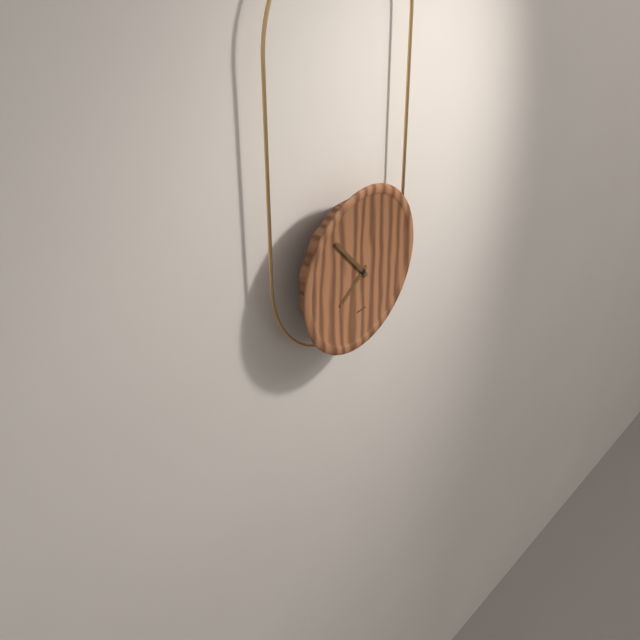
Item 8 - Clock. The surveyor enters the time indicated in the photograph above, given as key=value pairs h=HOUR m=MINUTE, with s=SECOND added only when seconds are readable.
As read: h=7 m=53
